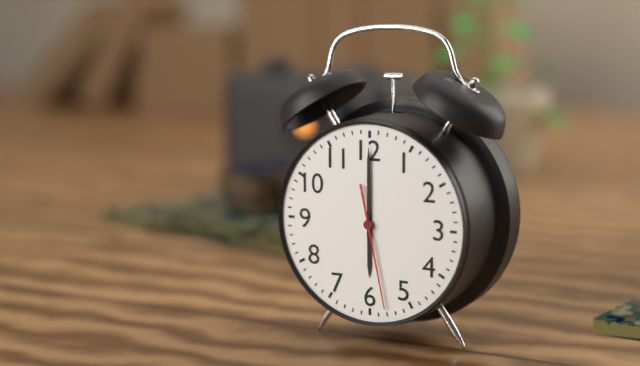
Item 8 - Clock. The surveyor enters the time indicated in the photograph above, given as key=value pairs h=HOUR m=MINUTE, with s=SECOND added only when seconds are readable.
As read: h=6 m=0 s=28
